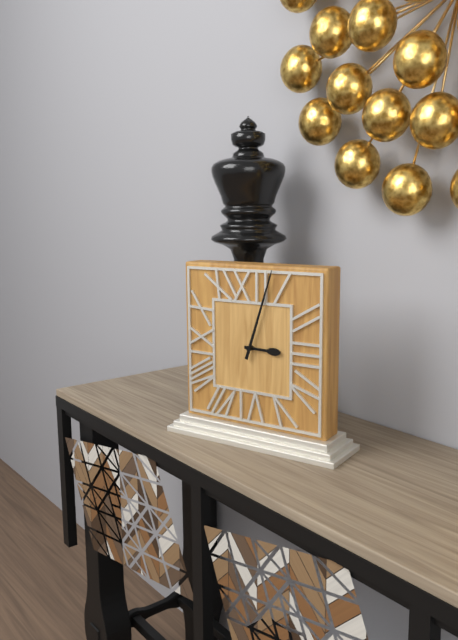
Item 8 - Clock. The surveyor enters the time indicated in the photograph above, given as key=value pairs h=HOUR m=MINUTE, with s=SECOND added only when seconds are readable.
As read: h=3 m=3
